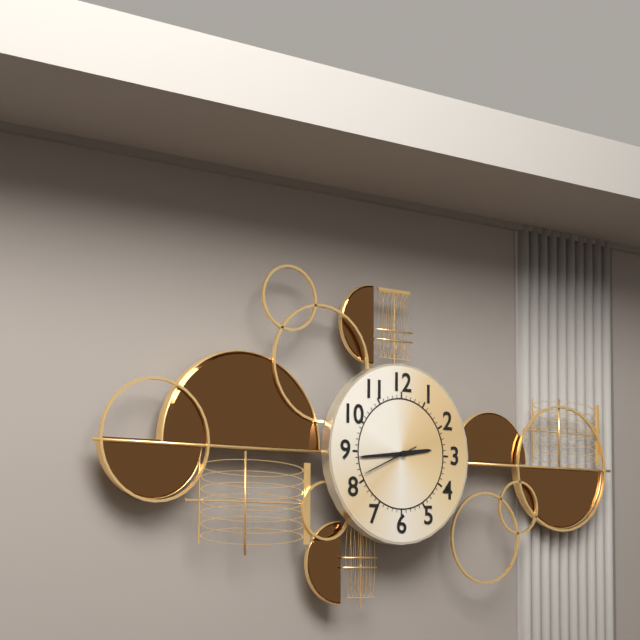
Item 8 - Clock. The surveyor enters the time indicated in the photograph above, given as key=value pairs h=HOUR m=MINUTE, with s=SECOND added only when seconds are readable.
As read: h=2 m=44 s=41
